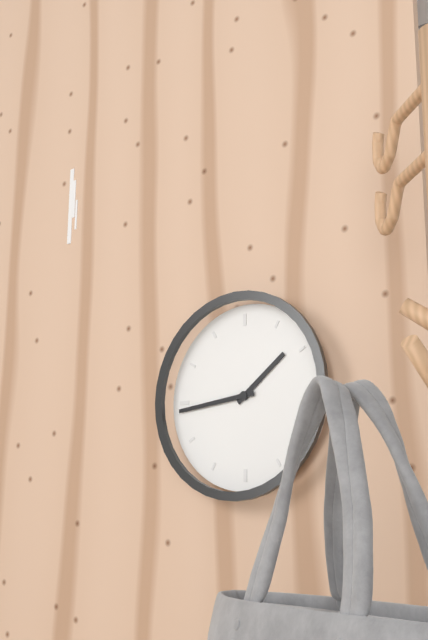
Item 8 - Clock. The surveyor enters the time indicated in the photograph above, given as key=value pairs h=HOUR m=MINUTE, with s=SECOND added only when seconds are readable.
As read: h=1 m=44
